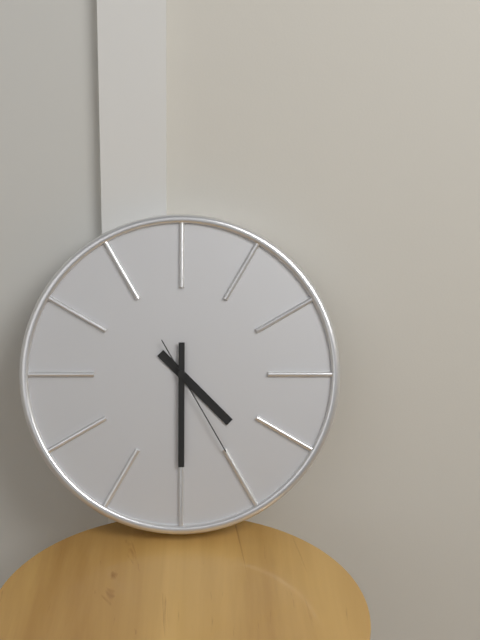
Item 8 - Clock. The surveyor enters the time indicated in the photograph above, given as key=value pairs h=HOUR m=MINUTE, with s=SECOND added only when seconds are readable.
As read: h=4 m=30 s=25
